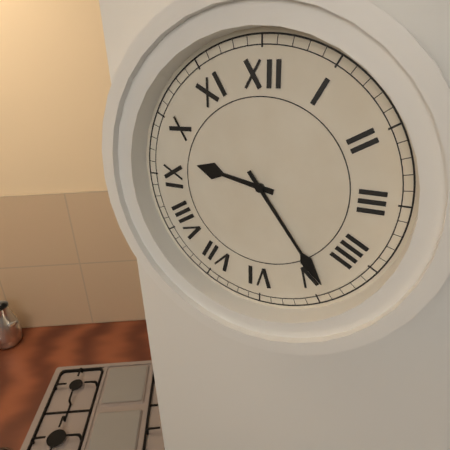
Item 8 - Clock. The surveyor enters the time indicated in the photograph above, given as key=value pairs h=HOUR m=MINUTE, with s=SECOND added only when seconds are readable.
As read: h=9 m=24
